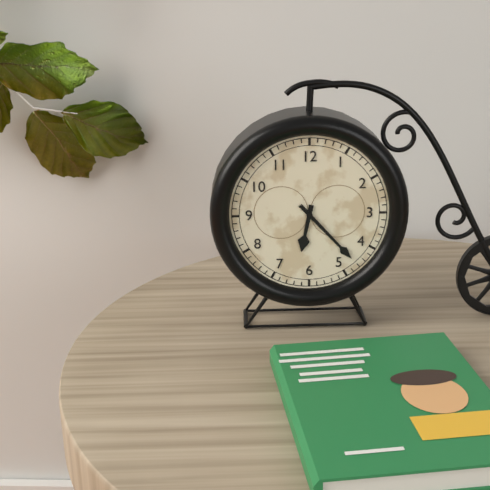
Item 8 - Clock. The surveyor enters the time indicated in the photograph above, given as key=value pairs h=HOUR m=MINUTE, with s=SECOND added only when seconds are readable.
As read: h=6 m=23
